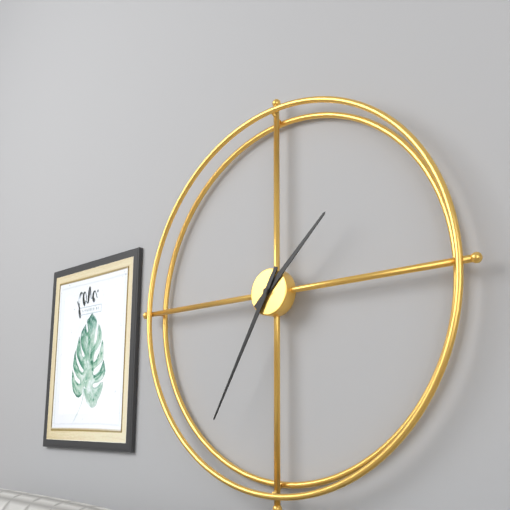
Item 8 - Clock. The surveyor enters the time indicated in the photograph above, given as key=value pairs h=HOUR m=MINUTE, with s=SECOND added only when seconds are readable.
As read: h=1 m=35
